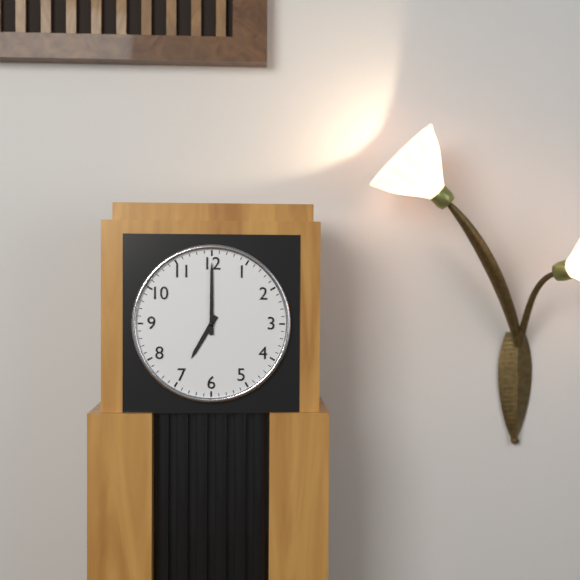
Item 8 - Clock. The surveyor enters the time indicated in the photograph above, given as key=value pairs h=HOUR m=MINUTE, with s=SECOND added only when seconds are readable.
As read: h=7 m=0
